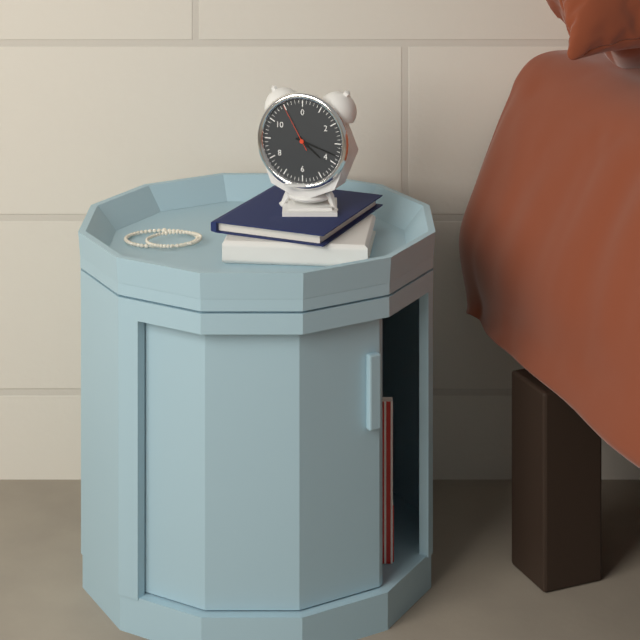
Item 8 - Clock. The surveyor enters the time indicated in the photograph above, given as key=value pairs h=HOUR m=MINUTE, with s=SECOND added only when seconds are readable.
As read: h=4 m=18 s=55
